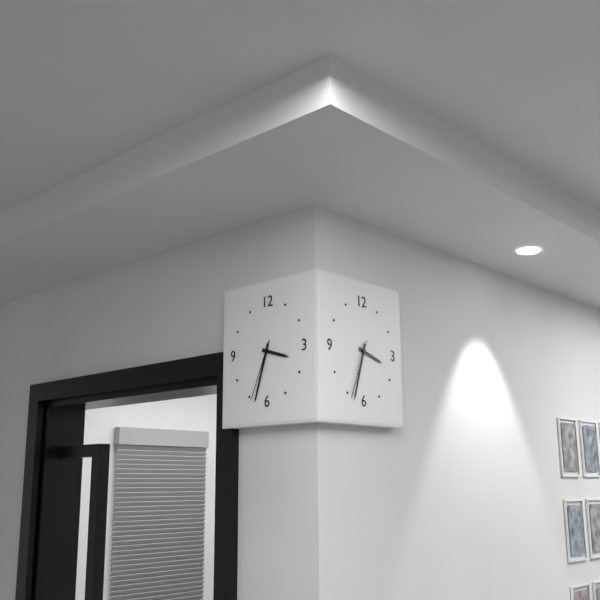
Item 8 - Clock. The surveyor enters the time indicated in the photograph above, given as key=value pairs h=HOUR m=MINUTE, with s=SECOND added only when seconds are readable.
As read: h=3 m=33 s=34
